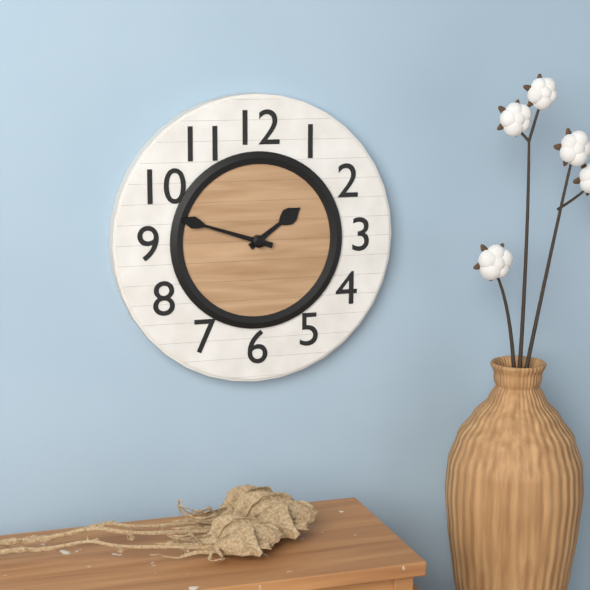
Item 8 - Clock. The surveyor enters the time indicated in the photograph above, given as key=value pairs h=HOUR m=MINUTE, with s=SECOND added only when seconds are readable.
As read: h=1 m=48
